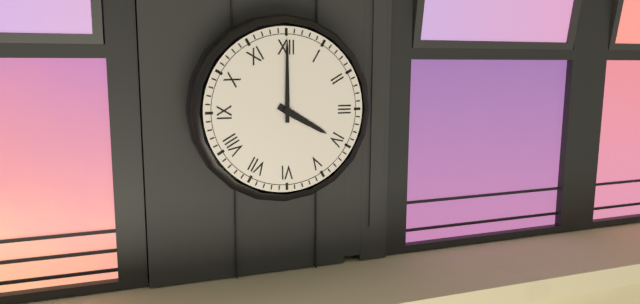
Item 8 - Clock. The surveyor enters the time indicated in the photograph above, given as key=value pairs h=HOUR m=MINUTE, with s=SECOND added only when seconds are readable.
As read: h=4 m=0
